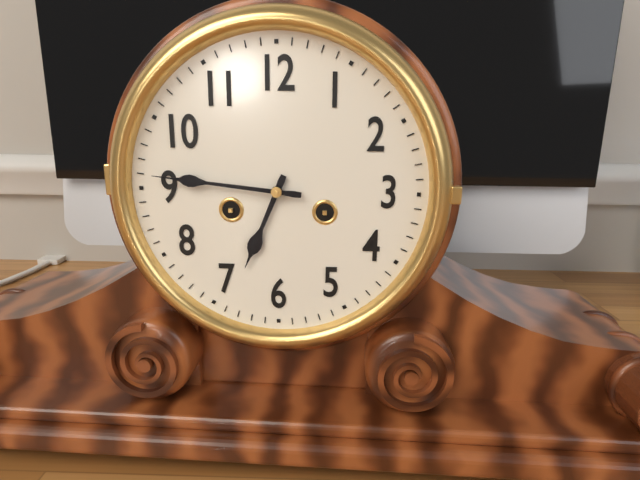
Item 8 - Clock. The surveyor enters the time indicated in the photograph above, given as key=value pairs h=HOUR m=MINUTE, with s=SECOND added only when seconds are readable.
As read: h=6 m=46
